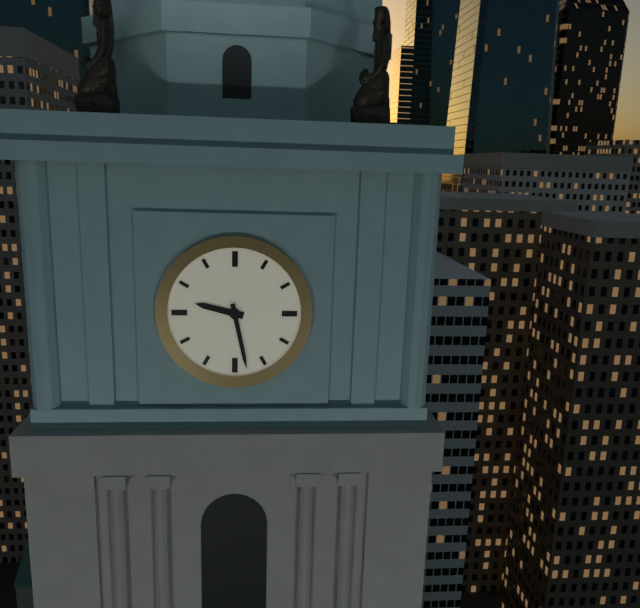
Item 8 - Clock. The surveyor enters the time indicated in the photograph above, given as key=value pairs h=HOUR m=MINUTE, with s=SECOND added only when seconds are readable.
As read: h=9 m=28
